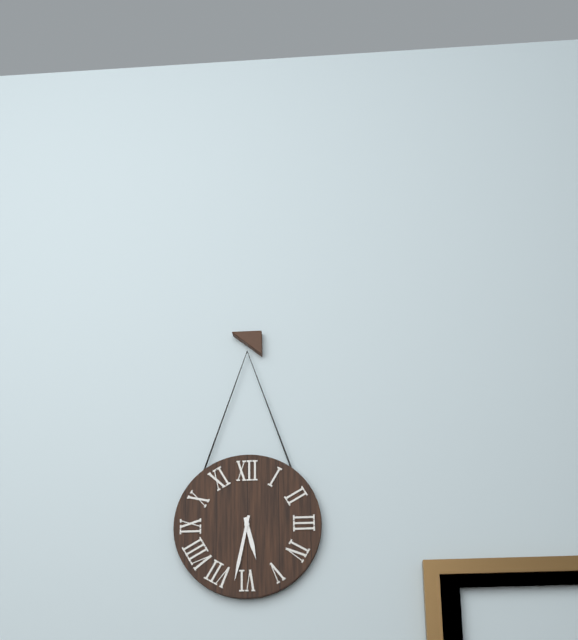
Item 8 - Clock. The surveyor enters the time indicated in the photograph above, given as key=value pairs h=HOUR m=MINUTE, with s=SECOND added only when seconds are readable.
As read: h=5 m=32
